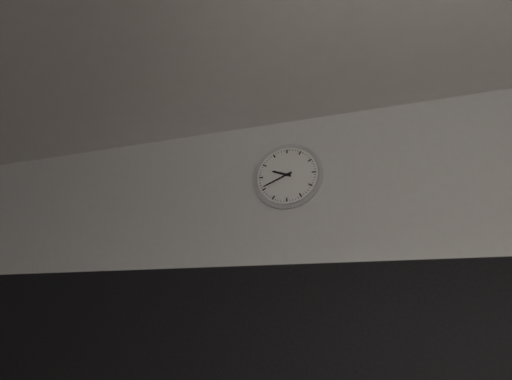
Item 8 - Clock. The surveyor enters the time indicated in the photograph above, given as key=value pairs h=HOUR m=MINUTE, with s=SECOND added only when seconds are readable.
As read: h=9 m=41
